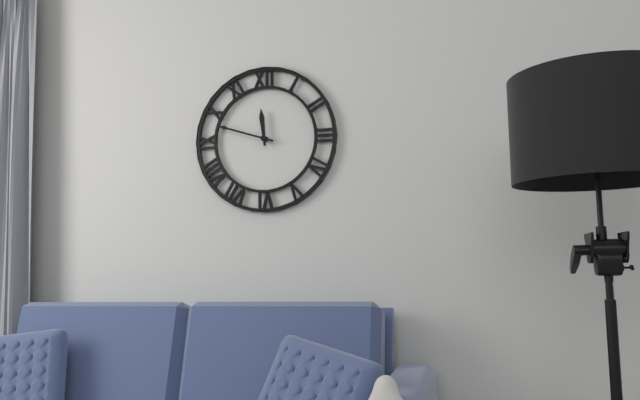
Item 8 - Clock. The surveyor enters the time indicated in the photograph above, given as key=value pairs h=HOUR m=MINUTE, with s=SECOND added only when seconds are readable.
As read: h=11 m=48
